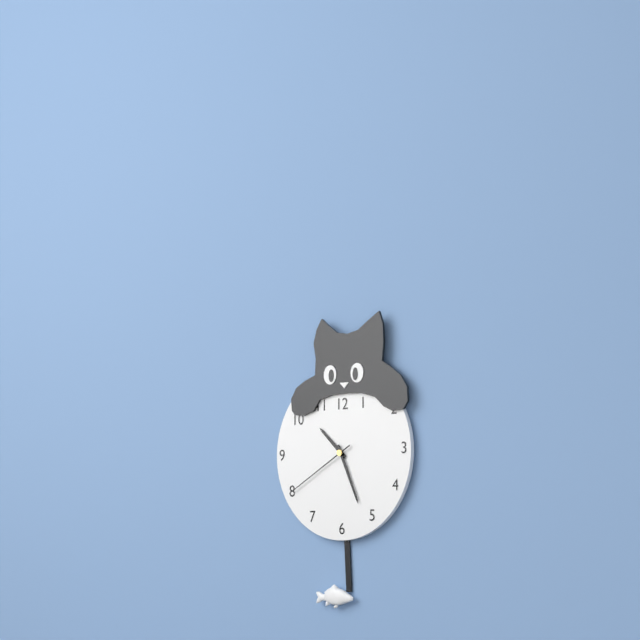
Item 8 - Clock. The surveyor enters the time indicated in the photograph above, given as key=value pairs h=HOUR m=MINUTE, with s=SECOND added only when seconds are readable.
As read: h=10 m=26 s=40
